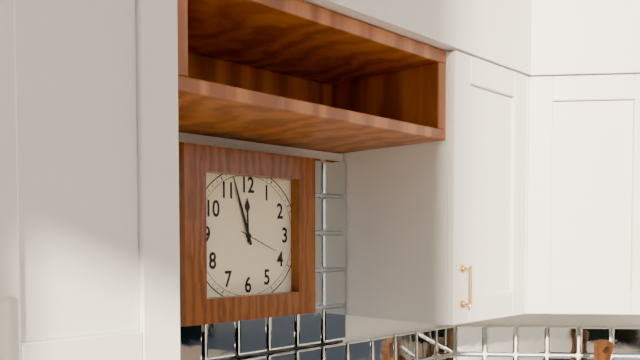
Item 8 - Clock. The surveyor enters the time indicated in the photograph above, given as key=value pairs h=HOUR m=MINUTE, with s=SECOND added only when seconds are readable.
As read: h=11 m=57
